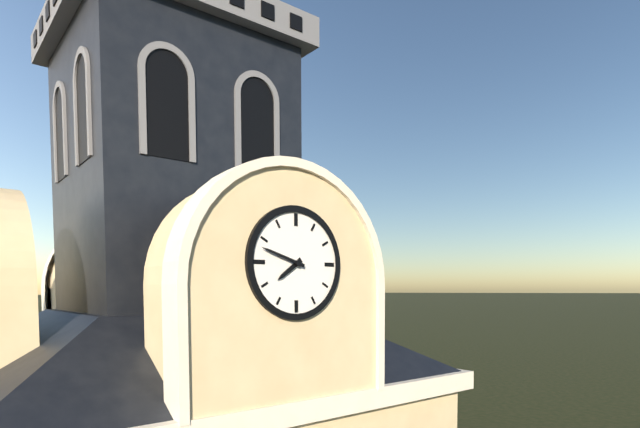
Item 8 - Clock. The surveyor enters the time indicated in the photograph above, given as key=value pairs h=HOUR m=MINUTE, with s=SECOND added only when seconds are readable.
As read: h=7 m=48
